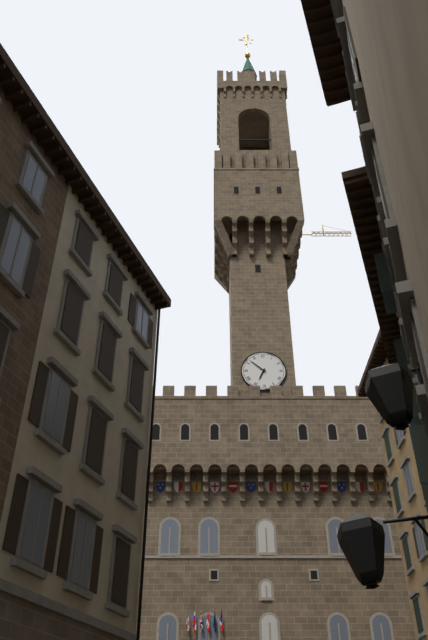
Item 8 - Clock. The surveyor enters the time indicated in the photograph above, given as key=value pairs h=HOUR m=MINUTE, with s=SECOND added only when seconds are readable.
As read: h=6 m=52
